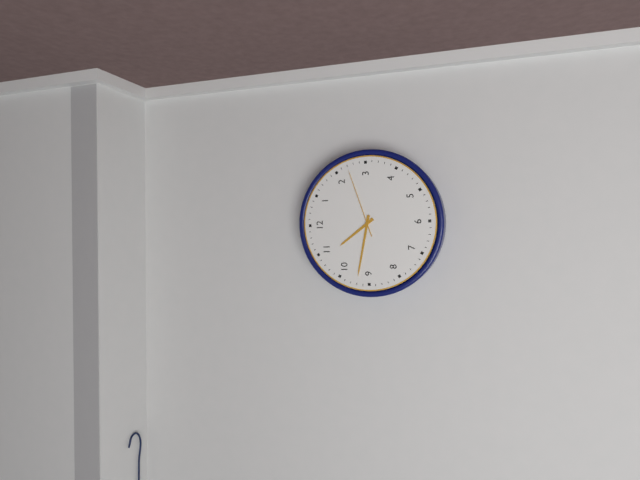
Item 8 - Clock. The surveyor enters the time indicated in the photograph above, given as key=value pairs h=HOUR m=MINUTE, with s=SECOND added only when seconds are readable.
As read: h=10 m=47 s=12
